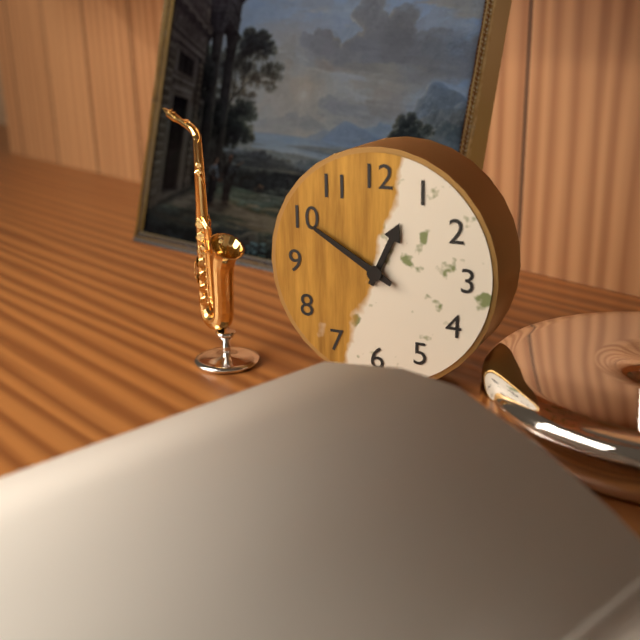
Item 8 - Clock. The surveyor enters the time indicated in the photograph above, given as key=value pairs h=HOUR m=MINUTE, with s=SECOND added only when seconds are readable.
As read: h=12 m=50
